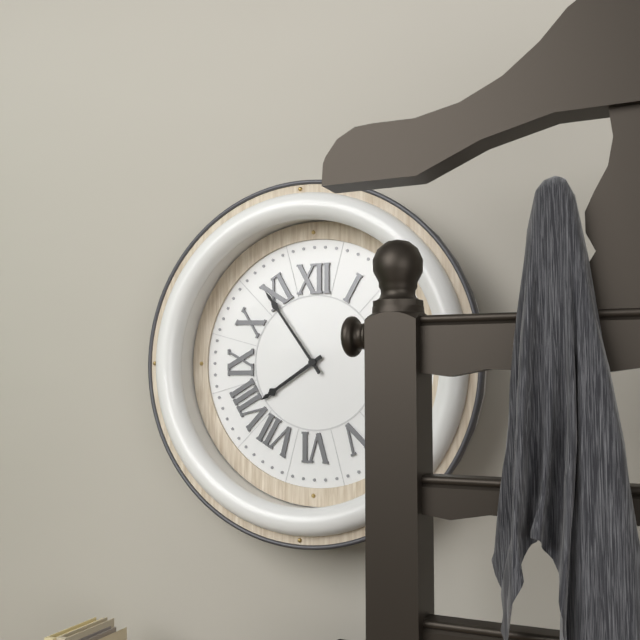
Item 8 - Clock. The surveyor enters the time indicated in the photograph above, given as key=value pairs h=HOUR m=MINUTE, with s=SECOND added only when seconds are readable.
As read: h=7 m=54
